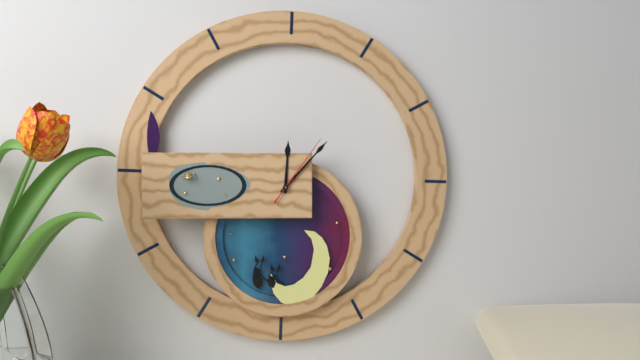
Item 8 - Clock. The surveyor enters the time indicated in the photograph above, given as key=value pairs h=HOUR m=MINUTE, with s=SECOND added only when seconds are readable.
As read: h=12 m=7 s=6
